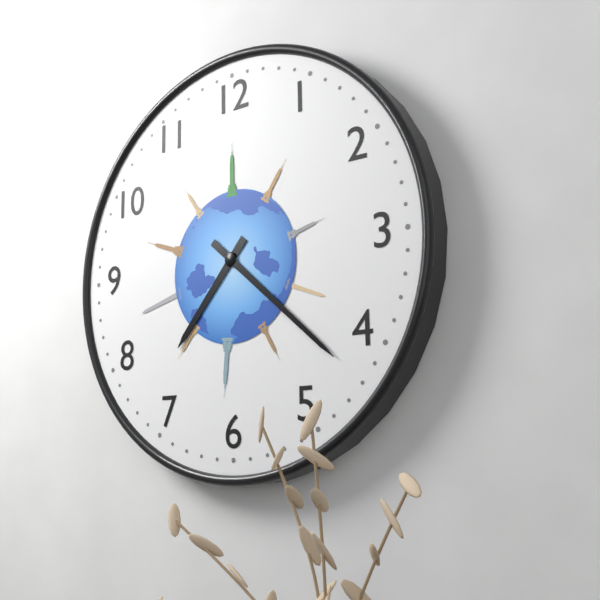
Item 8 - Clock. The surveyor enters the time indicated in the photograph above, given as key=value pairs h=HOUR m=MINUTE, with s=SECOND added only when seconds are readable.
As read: h=7 m=22
